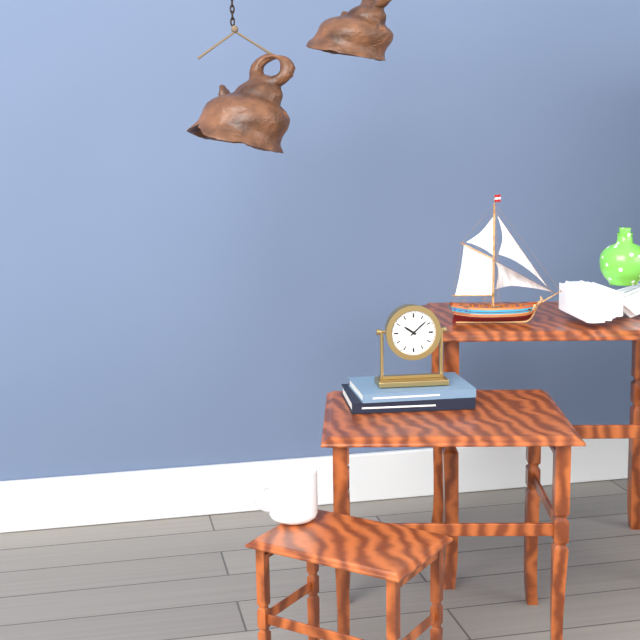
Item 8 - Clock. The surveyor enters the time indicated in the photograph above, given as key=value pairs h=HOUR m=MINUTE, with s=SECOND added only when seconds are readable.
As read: h=10 m=8
